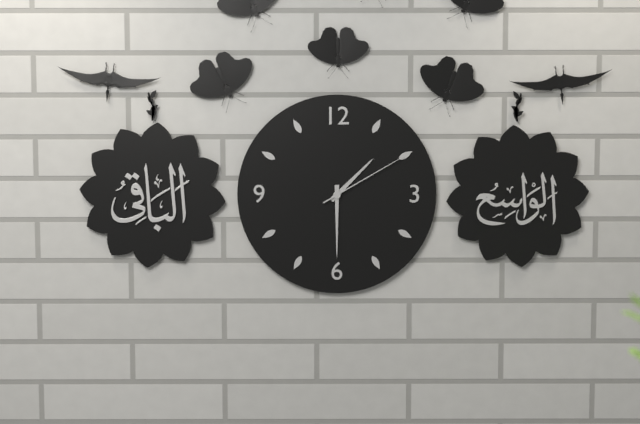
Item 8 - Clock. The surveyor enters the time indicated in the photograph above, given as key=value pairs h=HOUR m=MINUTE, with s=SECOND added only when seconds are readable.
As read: h=1 m=30 s=10
